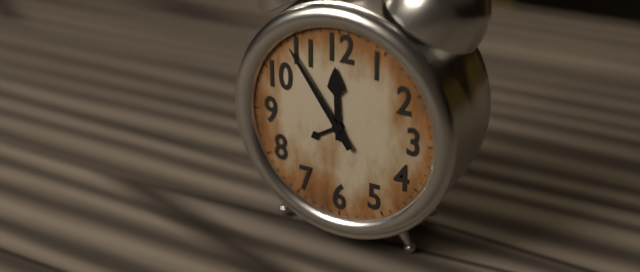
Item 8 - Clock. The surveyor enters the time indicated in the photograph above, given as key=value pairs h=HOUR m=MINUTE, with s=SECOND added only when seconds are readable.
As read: h=11 m=54
